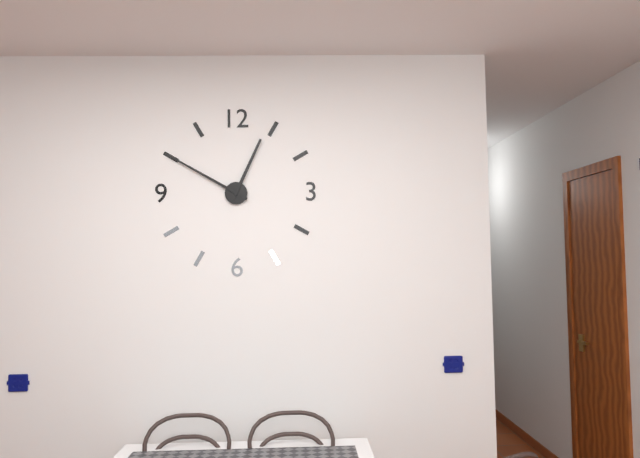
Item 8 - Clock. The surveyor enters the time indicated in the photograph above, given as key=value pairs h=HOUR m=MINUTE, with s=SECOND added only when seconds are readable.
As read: h=12 m=50
